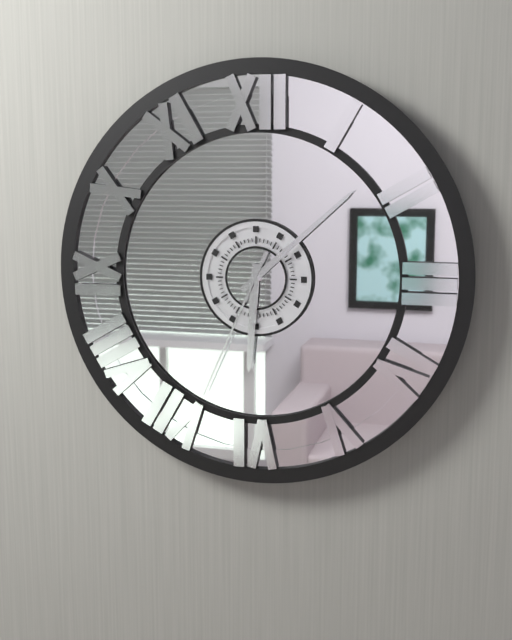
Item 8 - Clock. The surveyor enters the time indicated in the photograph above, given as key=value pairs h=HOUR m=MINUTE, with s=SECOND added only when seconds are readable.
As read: h=6 m=8 s=34
